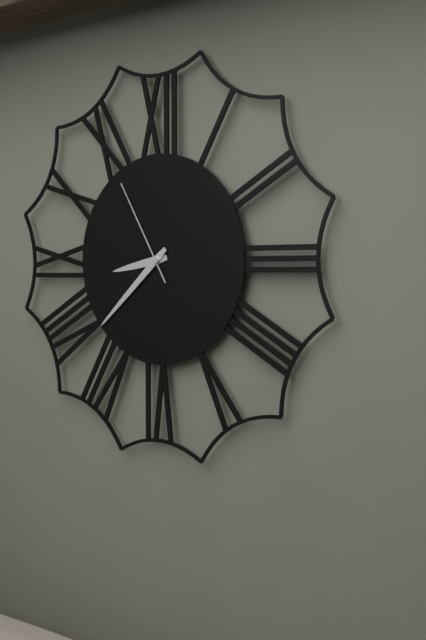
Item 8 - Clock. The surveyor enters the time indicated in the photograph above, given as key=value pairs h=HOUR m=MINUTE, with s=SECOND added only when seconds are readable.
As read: h=8 m=38 s=55
